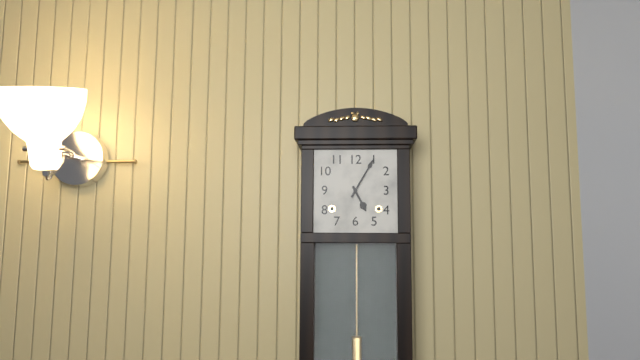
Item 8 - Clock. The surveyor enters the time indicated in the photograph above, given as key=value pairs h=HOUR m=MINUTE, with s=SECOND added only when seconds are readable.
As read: h=5 m=5
